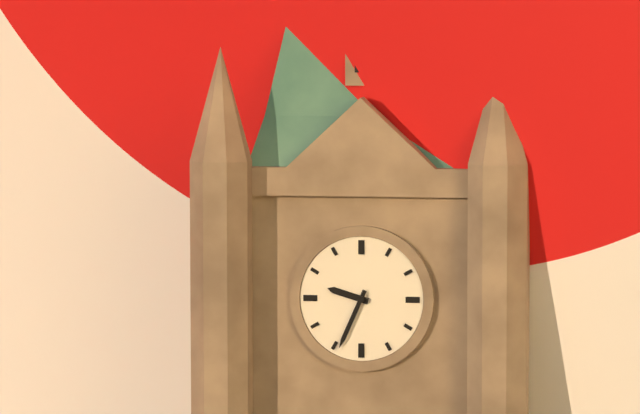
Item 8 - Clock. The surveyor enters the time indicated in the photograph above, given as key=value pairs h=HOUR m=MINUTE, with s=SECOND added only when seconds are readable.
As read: h=9 m=34
